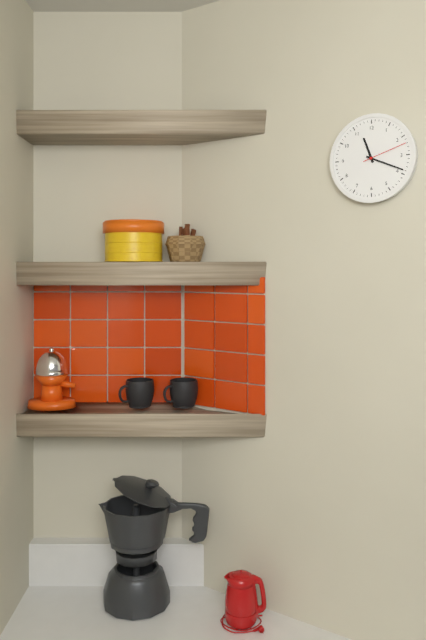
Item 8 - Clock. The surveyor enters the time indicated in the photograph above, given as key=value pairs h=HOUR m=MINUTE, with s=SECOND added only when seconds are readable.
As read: h=11 m=19
